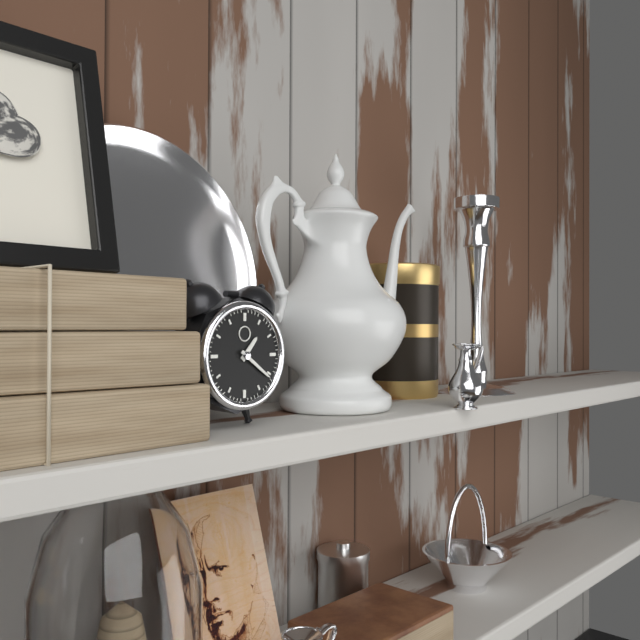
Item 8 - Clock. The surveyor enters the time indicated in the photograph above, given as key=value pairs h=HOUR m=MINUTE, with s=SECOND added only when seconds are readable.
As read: h=1 m=21
